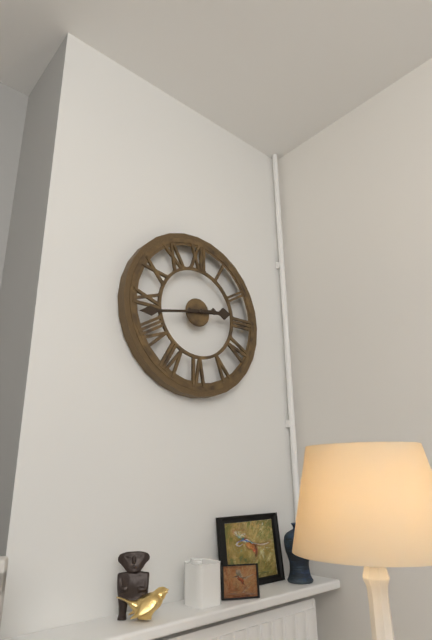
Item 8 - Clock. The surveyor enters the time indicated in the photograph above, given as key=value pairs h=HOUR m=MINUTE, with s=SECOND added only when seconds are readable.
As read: h=2 m=43
